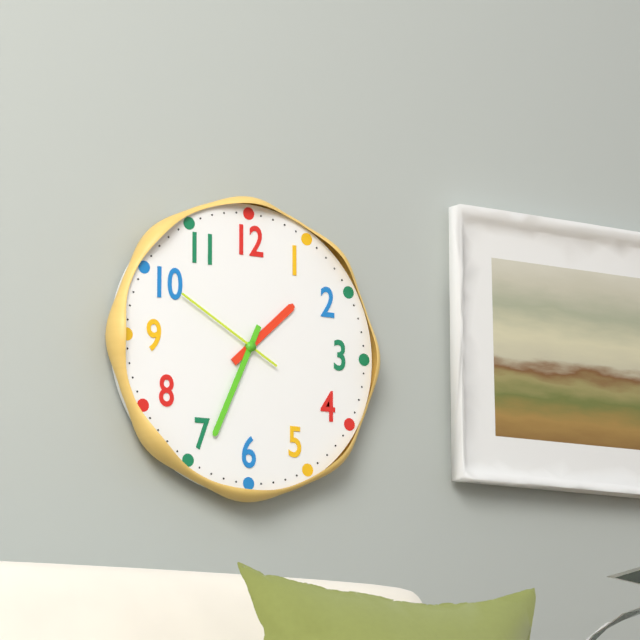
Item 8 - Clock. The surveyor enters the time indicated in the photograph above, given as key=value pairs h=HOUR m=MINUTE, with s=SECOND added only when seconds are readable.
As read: h=1 m=34 s=50
